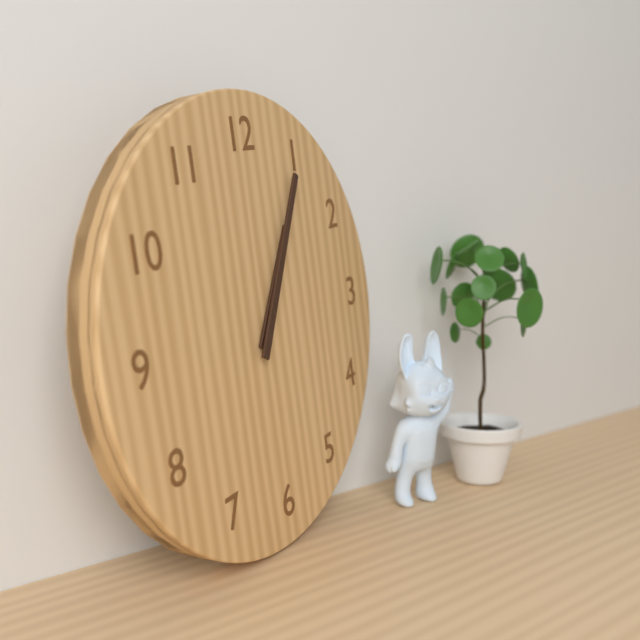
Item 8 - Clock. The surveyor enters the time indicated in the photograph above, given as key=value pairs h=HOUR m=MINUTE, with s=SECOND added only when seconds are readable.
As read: h=1 m=5
